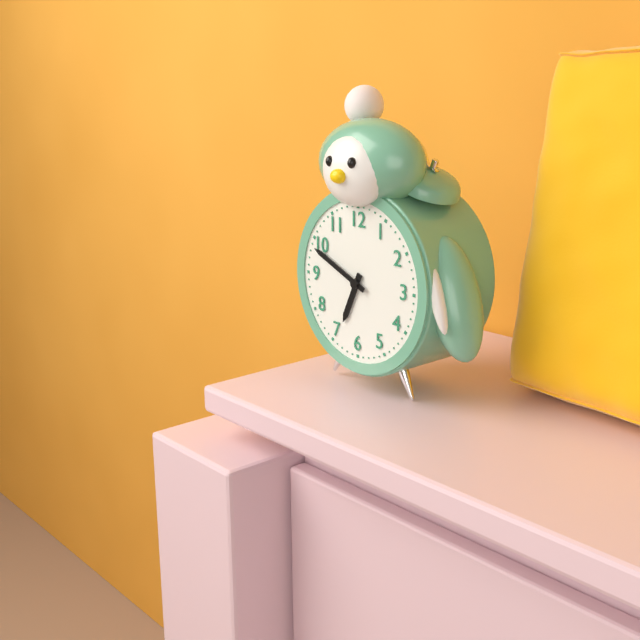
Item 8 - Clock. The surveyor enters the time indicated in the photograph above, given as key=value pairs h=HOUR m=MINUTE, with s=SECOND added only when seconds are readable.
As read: h=6 m=49
